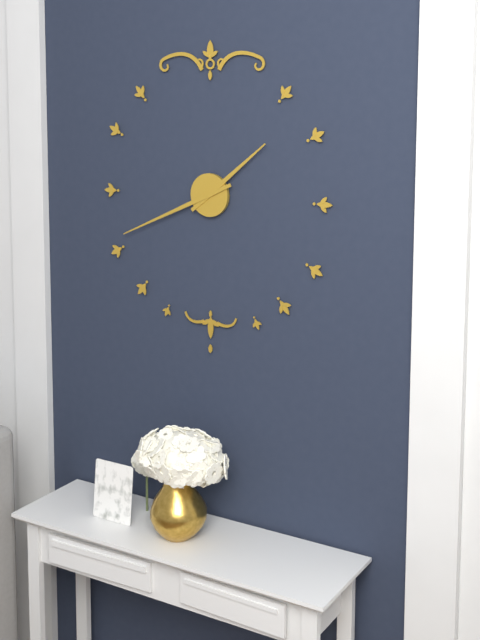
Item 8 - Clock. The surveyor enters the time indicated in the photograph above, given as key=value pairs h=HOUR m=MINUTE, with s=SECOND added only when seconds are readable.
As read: h=1 m=41
